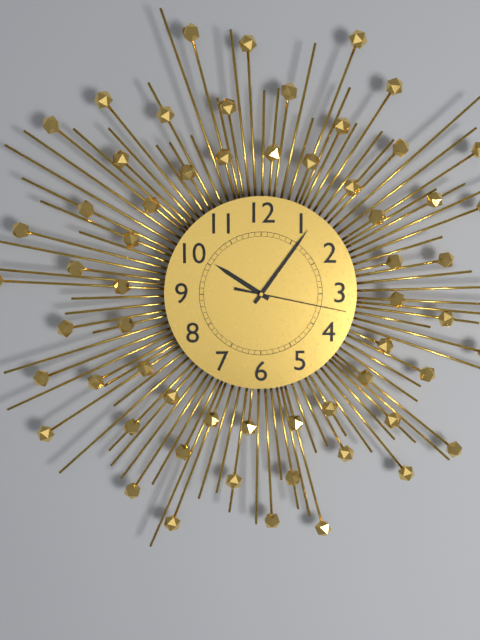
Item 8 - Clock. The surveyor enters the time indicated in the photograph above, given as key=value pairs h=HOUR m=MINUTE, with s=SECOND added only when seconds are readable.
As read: h=10 m=6 s=17
